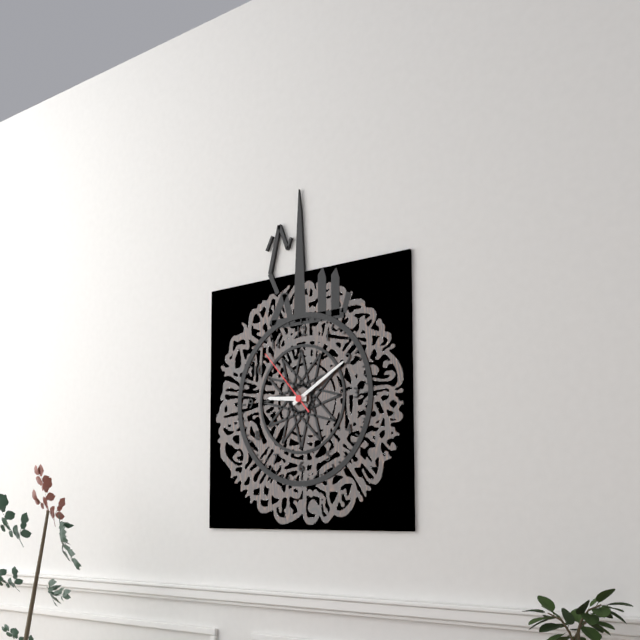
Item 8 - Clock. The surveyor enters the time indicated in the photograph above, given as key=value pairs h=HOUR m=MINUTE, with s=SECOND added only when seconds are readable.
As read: h=9 m=10 s=53
